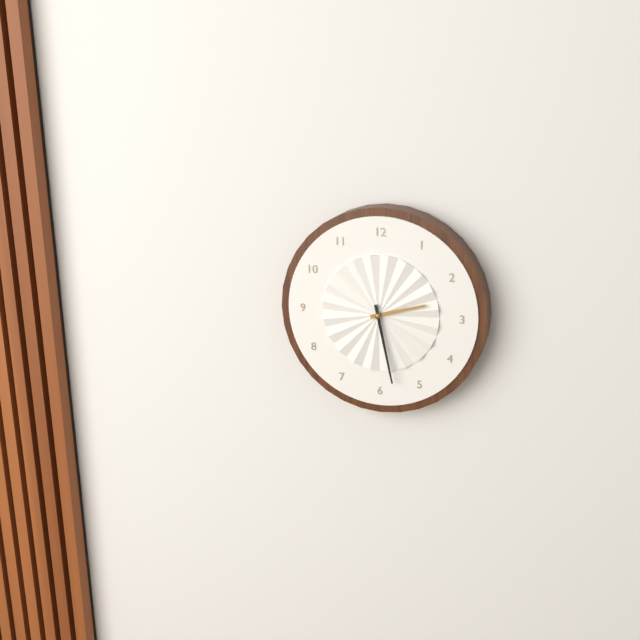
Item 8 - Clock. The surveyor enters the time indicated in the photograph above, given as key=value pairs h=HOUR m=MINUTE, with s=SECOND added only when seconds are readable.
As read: h=2 m=28
